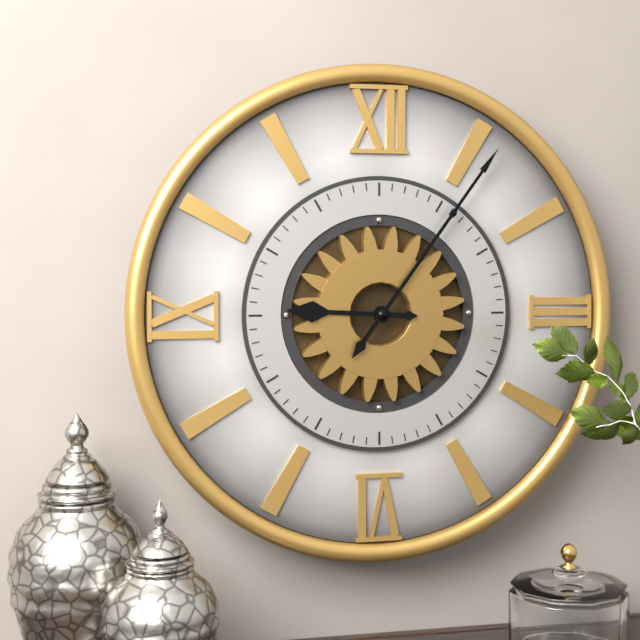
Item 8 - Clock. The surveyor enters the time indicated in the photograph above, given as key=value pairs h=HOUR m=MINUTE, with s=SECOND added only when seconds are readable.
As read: h=9 m=6
